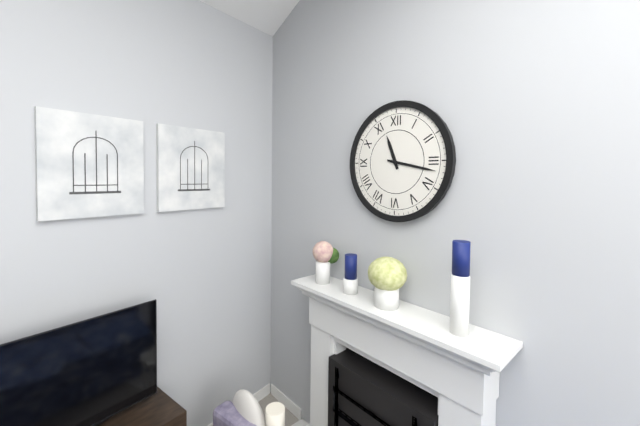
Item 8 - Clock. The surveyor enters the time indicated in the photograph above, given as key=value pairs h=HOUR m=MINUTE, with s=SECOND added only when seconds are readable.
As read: h=11 m=17
